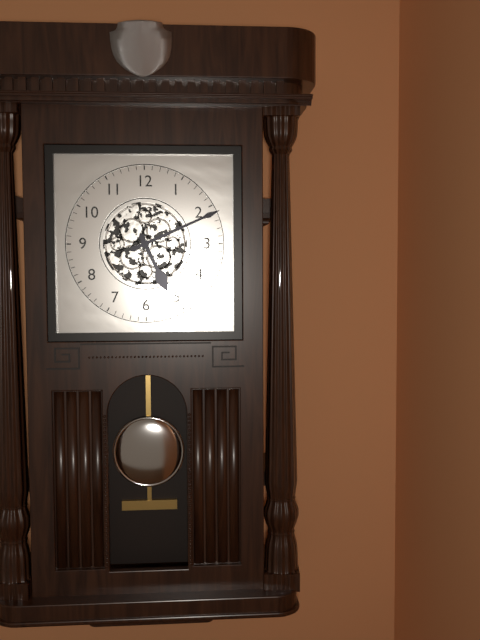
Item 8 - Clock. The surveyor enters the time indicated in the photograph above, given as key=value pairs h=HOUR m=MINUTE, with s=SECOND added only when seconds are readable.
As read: h=5 m=11
